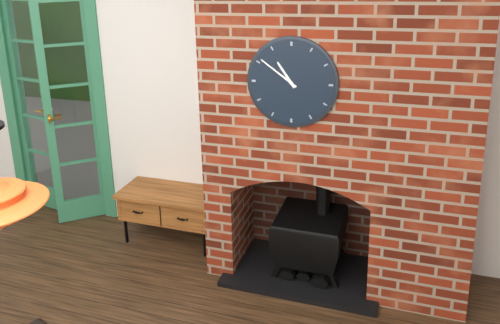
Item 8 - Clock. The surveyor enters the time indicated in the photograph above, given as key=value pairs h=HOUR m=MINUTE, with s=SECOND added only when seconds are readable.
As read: h=10 m=51
